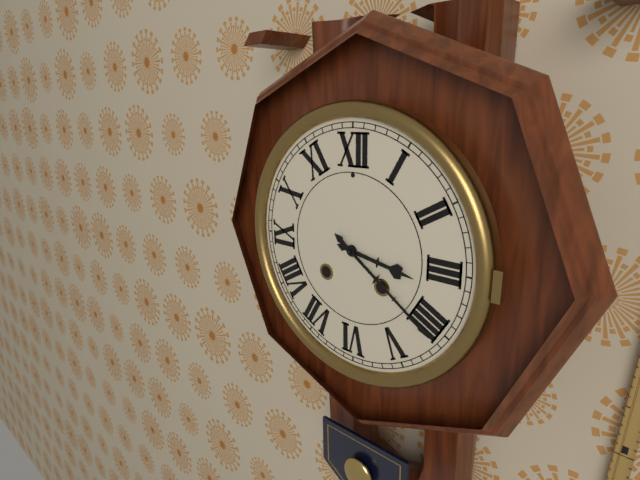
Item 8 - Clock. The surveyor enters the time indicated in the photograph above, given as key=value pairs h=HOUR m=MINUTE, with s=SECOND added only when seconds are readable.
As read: h=3 m=21
